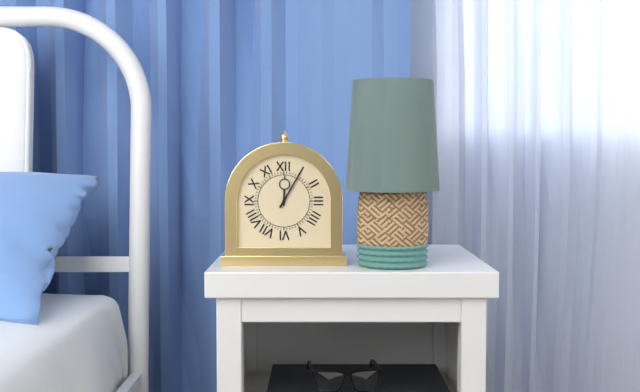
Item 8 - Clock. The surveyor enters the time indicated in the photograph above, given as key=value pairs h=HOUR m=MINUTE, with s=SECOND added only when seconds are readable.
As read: h=12 m=5
